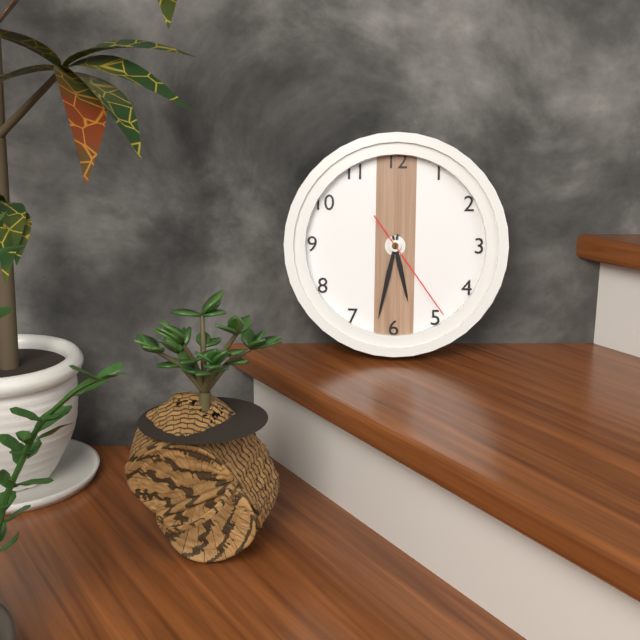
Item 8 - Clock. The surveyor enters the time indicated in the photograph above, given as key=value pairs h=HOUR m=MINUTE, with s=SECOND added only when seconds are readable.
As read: h=5 m=32 s=24
